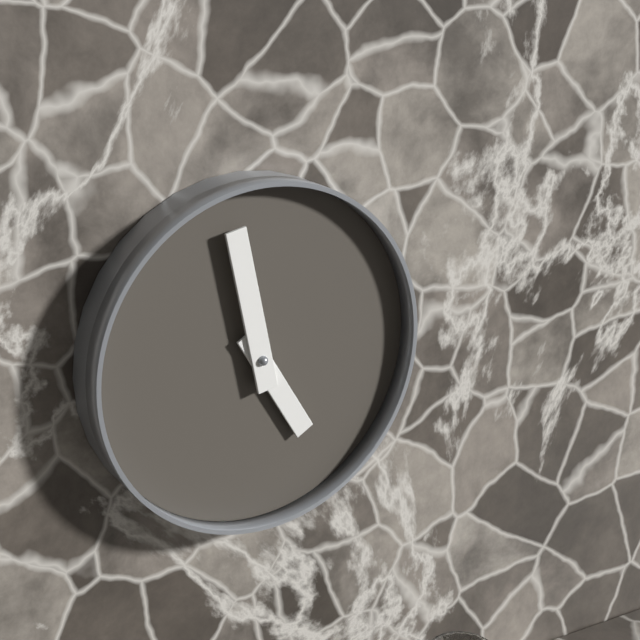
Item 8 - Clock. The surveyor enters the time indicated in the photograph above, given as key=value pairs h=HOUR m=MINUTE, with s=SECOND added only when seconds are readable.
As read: h=4 m=58
